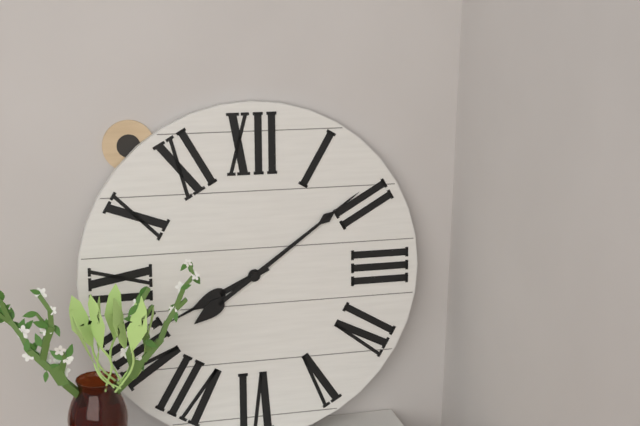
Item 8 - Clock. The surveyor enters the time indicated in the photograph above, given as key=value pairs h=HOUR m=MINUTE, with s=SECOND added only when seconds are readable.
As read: h=8 m=9
